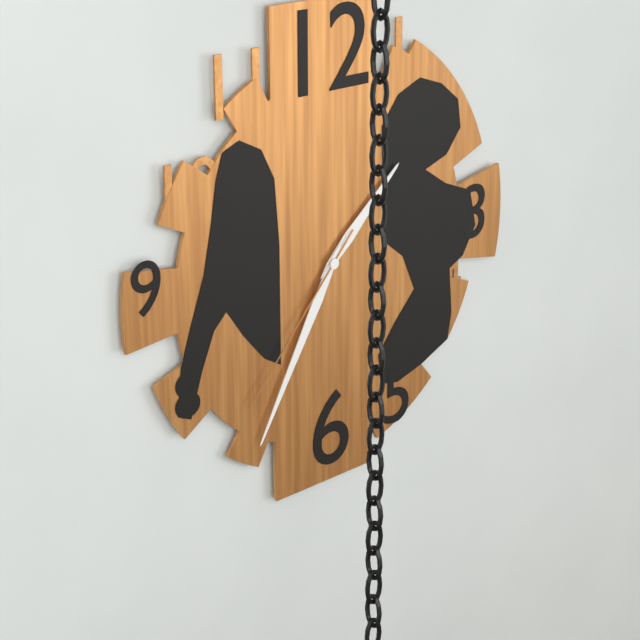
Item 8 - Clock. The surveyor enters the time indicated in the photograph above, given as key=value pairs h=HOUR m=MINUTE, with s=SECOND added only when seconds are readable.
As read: h=1 m=35 s=37
